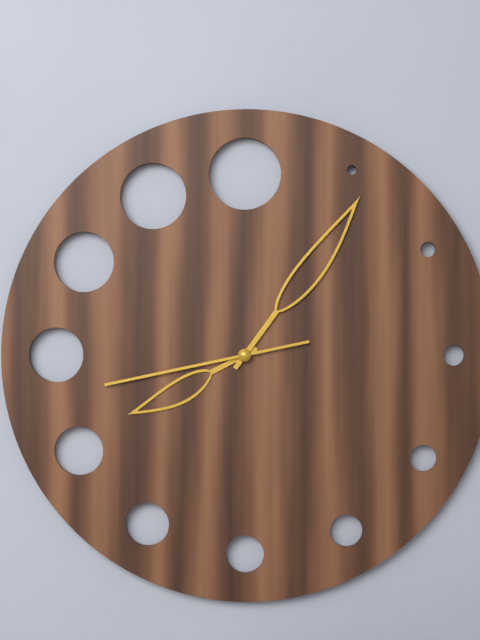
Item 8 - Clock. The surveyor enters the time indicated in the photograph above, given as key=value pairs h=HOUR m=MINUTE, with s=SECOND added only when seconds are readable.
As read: h=8 m=6 s=43
